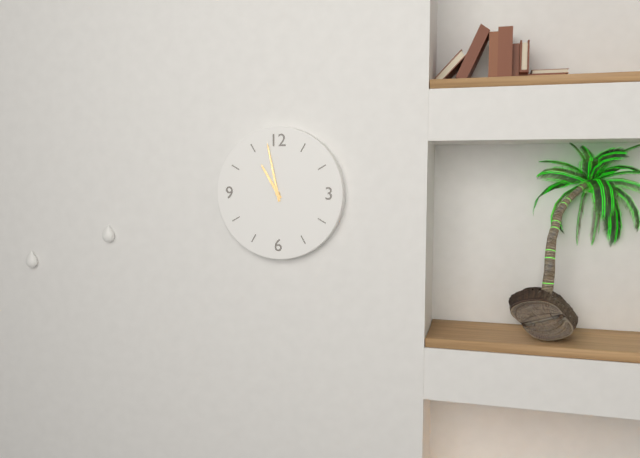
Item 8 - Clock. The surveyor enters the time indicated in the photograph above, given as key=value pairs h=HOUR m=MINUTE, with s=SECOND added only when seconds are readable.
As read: h=10 m=58
